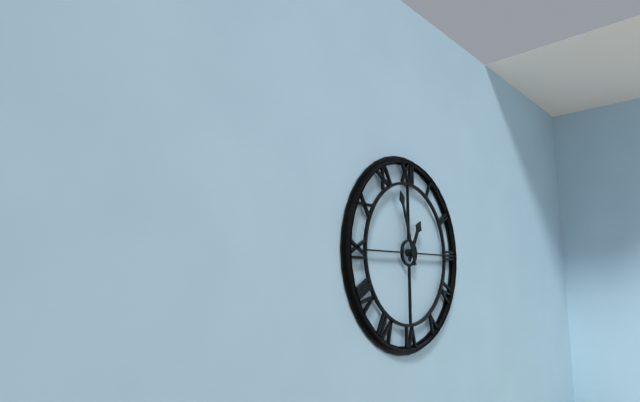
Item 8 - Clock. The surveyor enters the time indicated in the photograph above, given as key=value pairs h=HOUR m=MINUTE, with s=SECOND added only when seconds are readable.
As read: h=12 m=57
